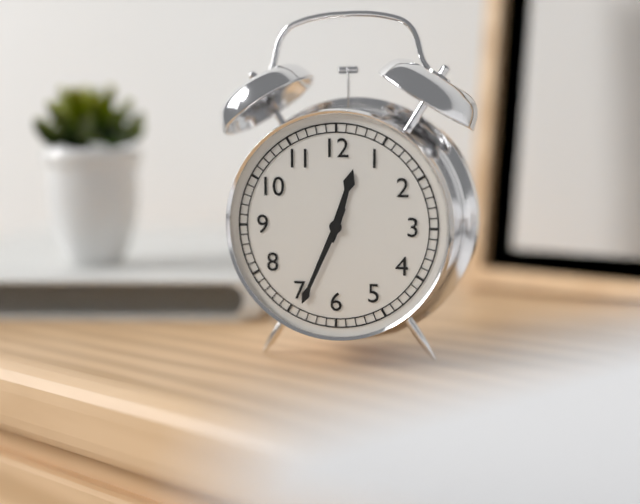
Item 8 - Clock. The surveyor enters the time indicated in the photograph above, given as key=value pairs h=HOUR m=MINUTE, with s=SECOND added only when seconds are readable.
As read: h=12 m=34
